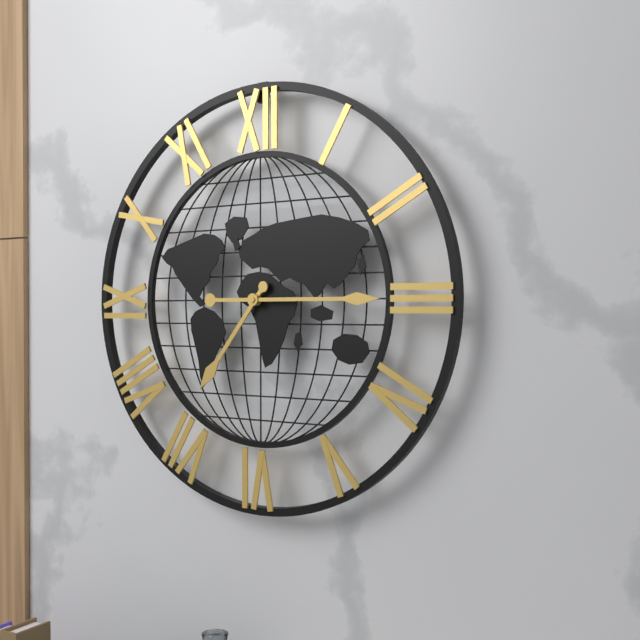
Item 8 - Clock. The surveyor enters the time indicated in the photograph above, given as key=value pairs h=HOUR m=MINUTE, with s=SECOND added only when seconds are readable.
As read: h=7 m=15
